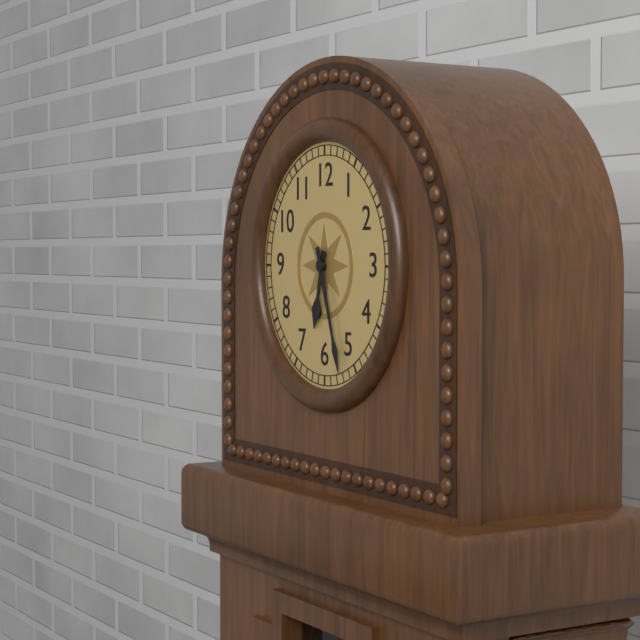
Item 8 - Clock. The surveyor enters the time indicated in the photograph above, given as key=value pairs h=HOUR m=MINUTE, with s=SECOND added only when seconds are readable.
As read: h=6 m=27
